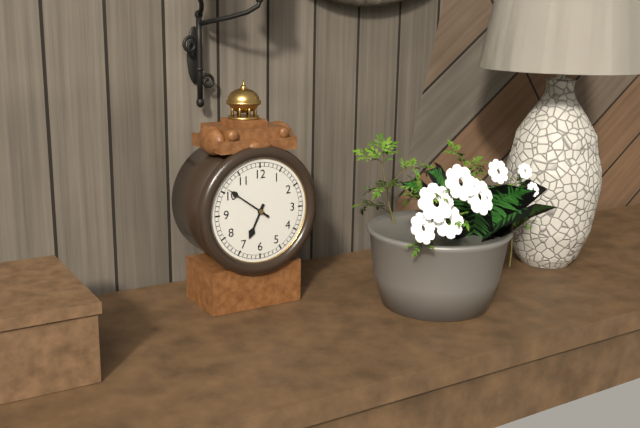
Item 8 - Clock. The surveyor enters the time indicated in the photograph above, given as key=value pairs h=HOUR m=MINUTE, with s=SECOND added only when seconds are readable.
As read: h=6 m=51
